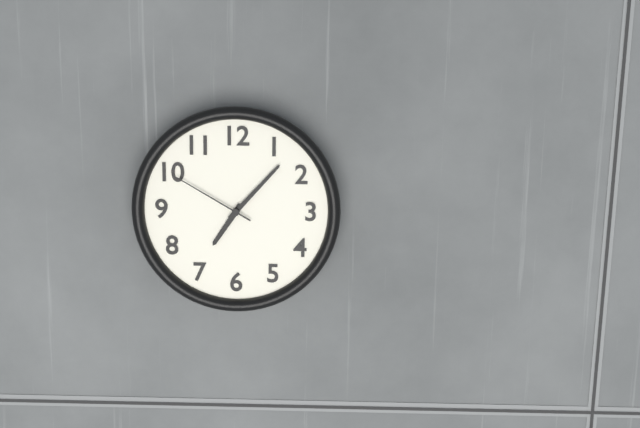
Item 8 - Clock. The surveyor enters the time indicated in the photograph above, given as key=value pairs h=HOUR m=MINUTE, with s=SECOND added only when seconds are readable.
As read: h=7 m=7 s=50
